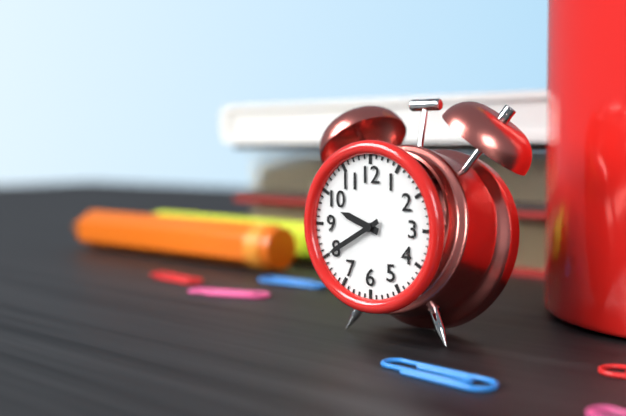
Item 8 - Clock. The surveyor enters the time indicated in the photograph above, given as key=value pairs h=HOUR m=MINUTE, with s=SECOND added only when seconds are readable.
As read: h=9 m=40
